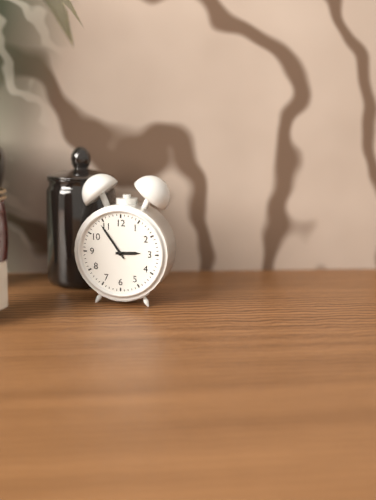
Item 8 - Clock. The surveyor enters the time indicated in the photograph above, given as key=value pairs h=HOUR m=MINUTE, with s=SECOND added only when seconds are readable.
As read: h=2 m=54
